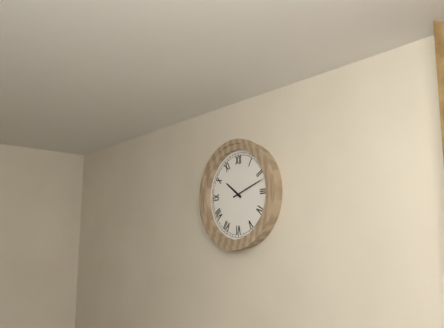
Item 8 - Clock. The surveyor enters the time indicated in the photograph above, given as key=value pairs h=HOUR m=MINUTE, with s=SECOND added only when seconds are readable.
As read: h=10 m=12
